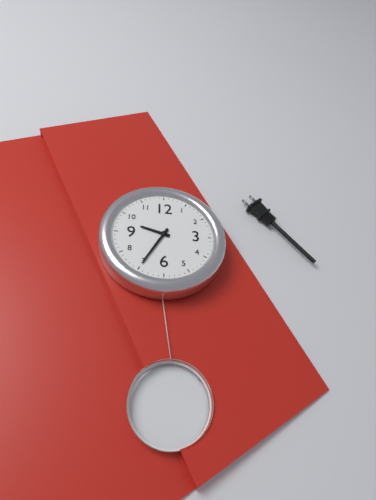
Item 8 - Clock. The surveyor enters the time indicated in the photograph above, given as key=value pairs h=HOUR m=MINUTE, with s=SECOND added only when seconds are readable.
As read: h=9 m=35
